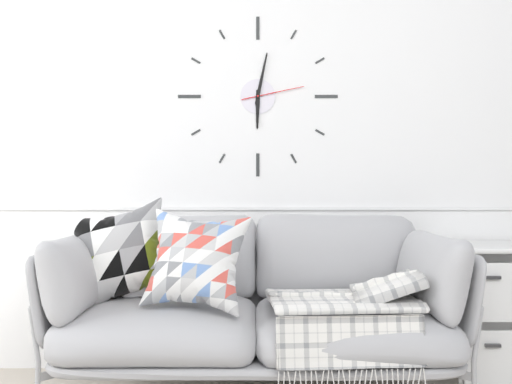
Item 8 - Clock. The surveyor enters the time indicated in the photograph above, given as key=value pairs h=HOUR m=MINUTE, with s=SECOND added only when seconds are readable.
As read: h=6 m=2 s=13
